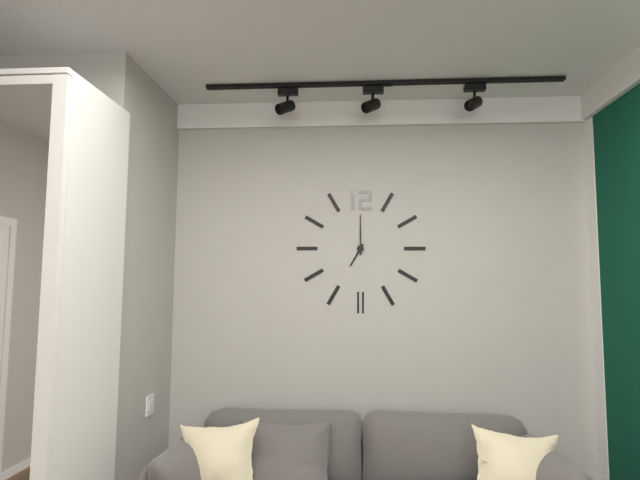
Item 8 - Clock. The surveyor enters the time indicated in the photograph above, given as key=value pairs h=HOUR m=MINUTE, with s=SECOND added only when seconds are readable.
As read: h=7 m=0
